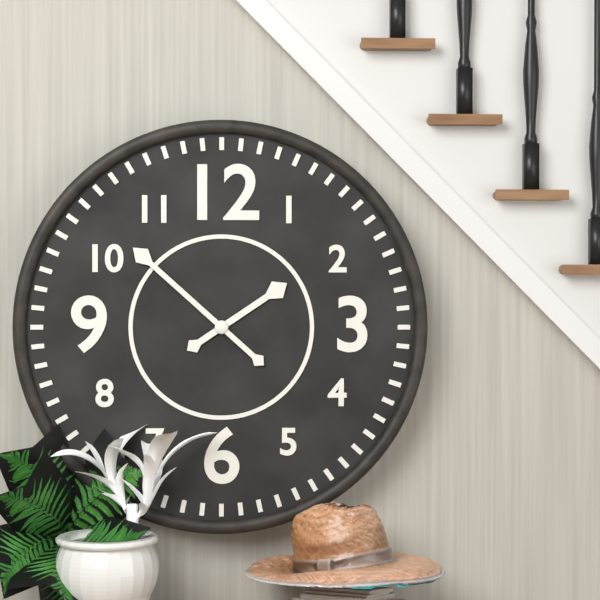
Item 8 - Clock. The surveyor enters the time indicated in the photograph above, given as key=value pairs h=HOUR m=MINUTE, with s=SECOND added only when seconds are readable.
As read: h=1 m=52
